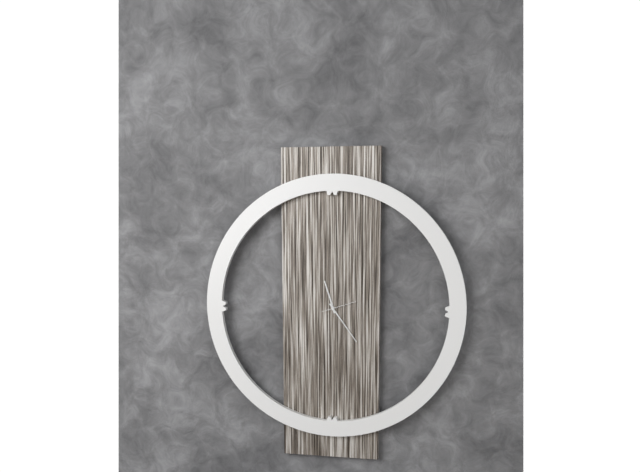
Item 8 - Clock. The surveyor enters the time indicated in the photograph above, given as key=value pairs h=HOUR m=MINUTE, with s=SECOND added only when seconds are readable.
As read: h=11 m=24
